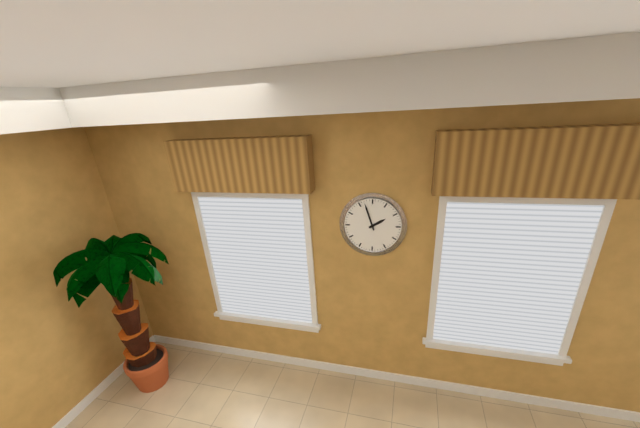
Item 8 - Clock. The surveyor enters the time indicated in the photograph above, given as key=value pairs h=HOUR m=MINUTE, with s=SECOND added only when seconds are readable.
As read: h=1 m=57
